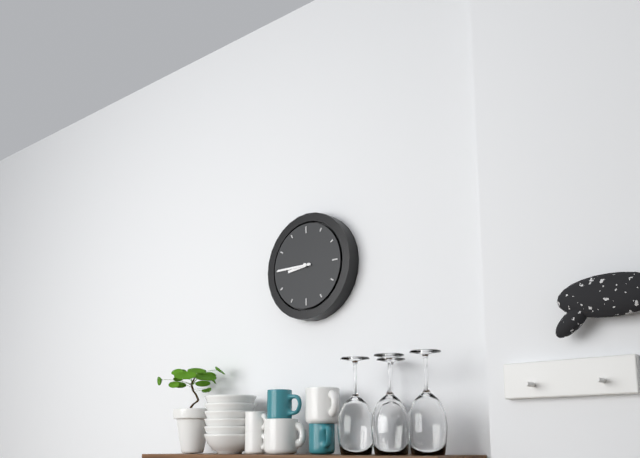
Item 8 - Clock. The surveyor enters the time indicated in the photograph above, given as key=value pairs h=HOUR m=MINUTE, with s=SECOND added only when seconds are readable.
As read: h=8 m=45
